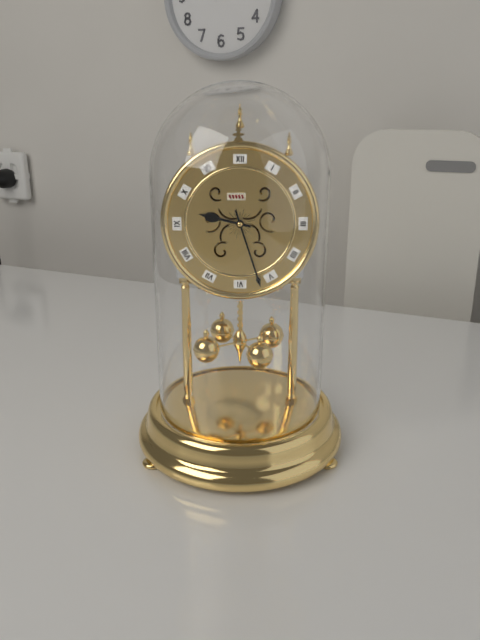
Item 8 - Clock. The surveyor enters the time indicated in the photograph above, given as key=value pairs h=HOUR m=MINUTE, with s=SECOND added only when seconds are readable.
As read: h=9 m=27
